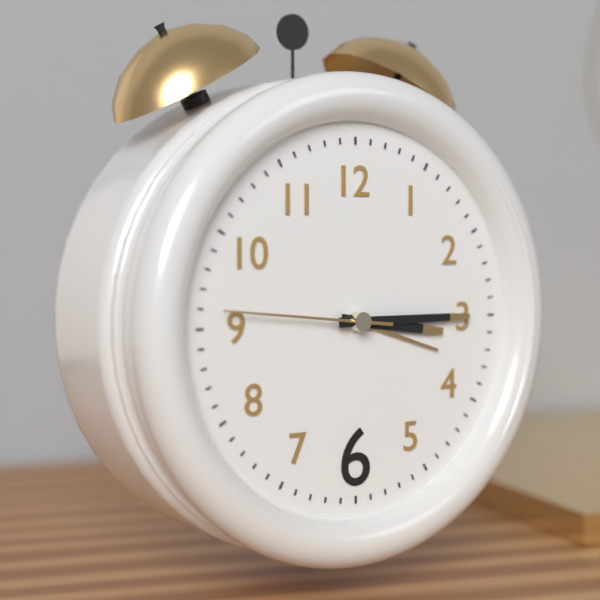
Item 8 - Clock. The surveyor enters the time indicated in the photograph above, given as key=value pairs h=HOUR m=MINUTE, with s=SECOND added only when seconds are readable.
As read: h=3 m=15 s=46
